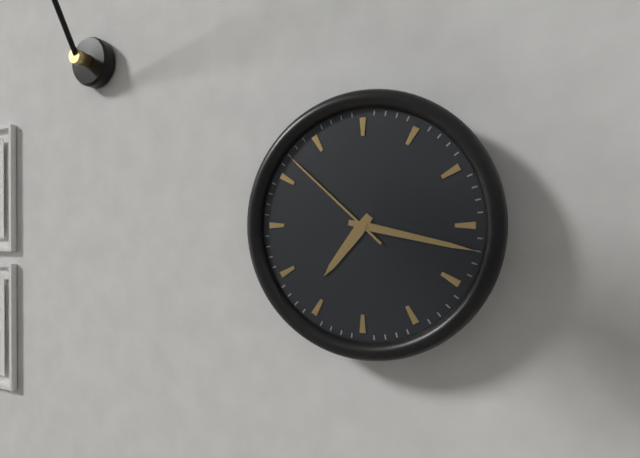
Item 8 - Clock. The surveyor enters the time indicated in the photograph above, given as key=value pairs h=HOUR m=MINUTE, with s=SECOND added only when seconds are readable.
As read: h=7 m=17 s=52
